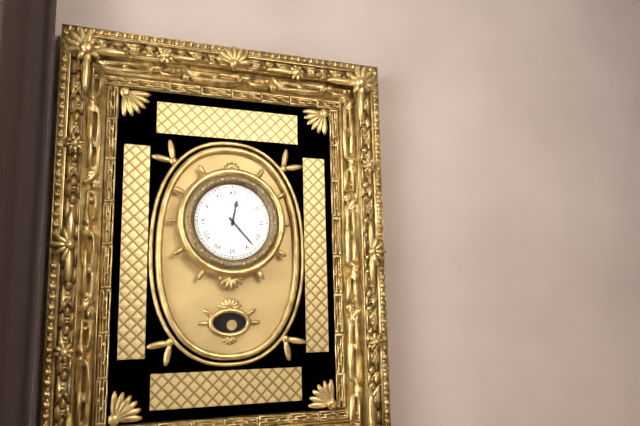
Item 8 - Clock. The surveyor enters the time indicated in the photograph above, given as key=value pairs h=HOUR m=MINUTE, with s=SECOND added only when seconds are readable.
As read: h=12 m=23
